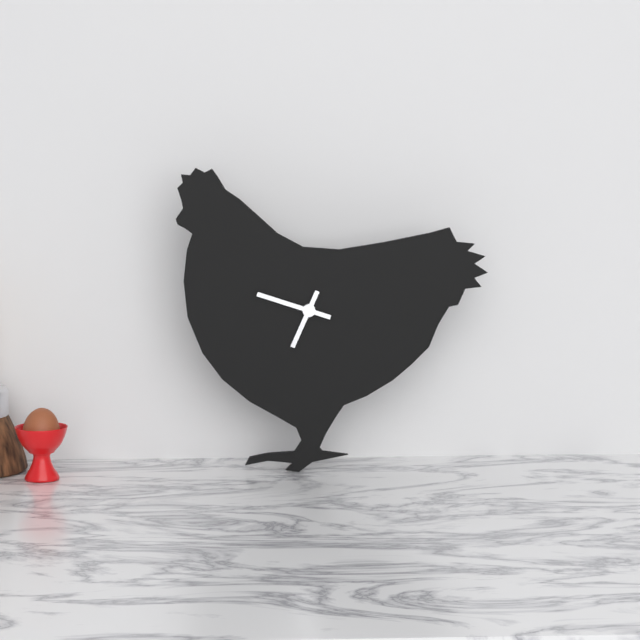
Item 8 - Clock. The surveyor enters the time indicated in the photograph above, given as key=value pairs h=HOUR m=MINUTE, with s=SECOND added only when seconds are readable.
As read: h=6 m=48
